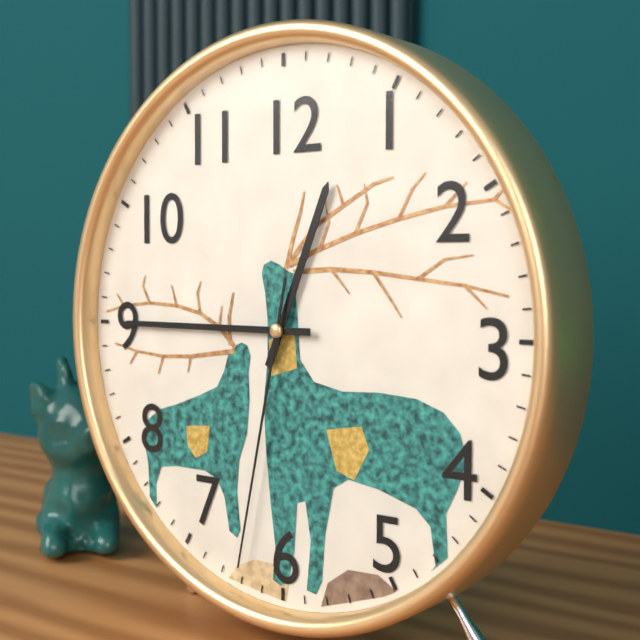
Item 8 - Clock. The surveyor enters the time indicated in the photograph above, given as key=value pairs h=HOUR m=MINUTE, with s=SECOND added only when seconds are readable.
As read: h=12 m=45 s=32
